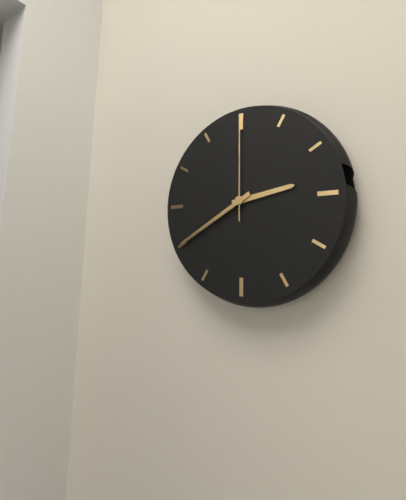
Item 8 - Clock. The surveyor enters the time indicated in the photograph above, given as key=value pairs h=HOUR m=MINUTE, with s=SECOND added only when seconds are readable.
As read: h=2 m=40 s=0
